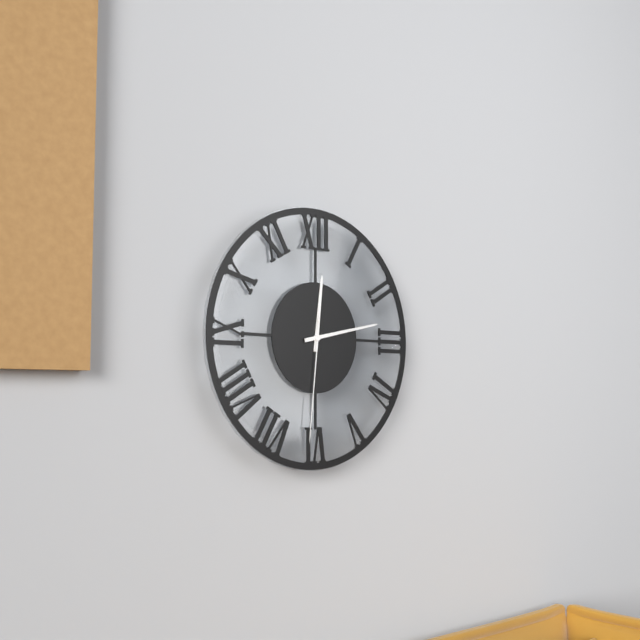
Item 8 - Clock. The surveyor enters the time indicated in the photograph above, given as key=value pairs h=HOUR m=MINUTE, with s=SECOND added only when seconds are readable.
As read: h=12 m=13 s=31
